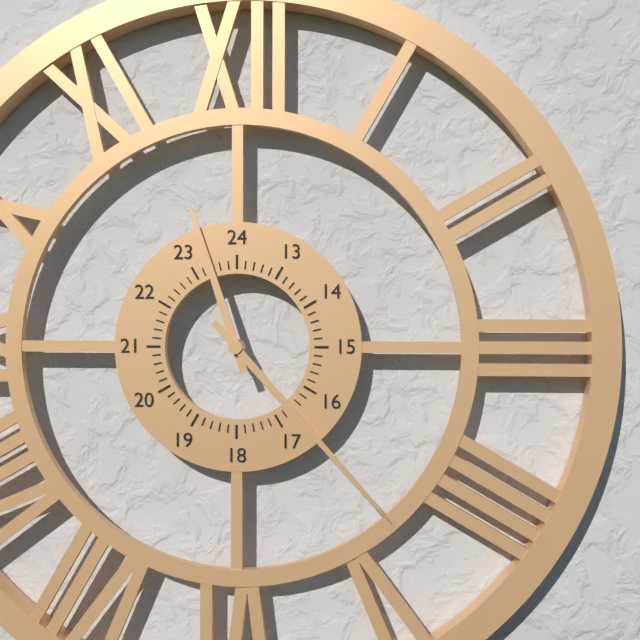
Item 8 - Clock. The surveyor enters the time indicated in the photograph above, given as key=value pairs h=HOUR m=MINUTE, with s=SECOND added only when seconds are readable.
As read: h=11 m=23
